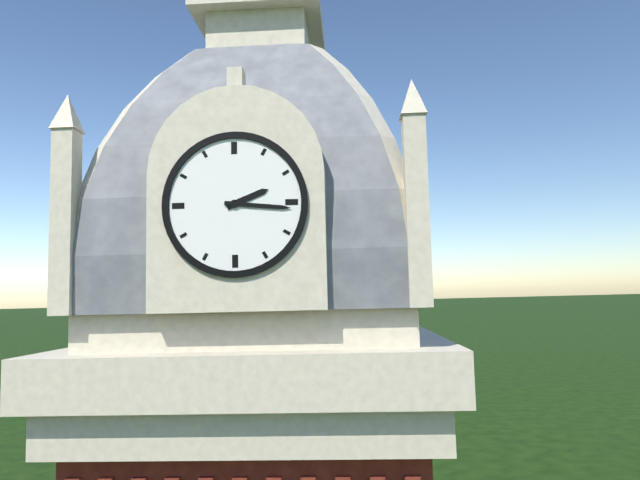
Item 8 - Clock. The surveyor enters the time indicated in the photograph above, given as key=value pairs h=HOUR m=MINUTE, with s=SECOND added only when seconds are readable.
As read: h=2 m=16
